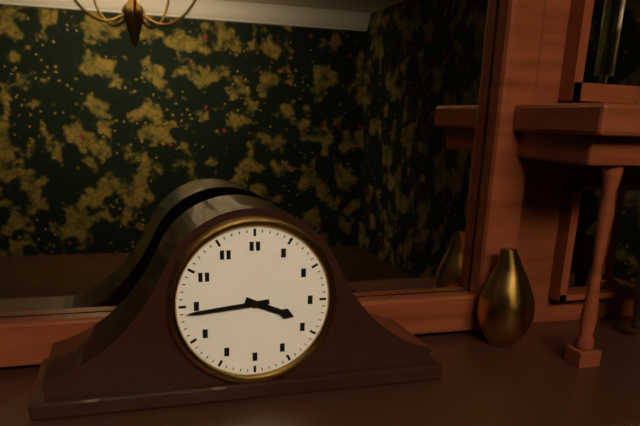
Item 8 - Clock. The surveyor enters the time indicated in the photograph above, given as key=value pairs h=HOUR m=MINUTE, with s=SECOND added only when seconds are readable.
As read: h=3 m=44
